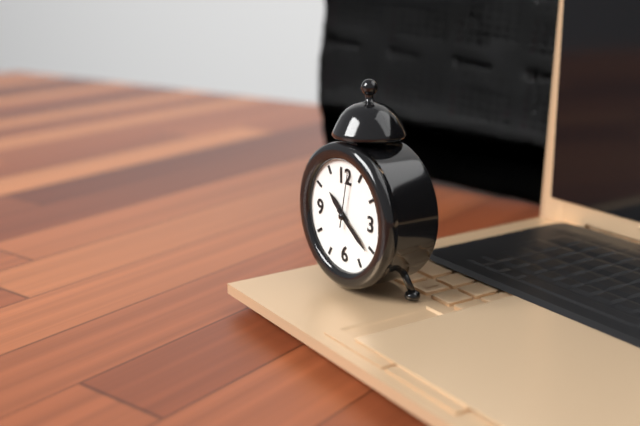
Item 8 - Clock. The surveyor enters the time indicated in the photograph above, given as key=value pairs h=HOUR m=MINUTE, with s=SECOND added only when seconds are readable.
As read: h=10 m=21 s=2
